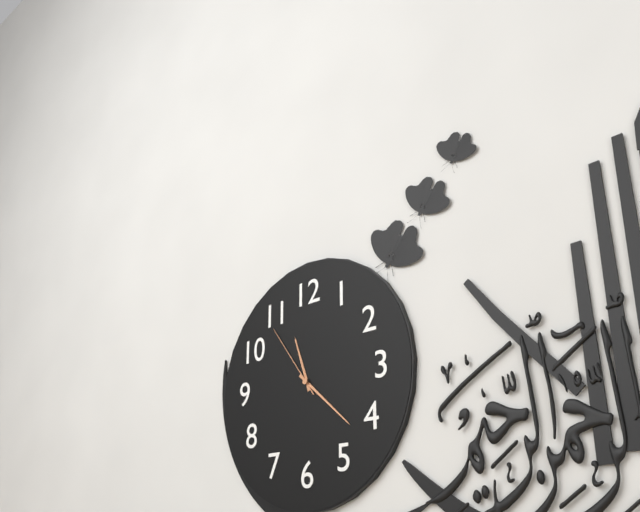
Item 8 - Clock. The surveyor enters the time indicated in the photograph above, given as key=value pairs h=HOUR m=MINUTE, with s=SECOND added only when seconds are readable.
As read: h=11 m=22 s=54
